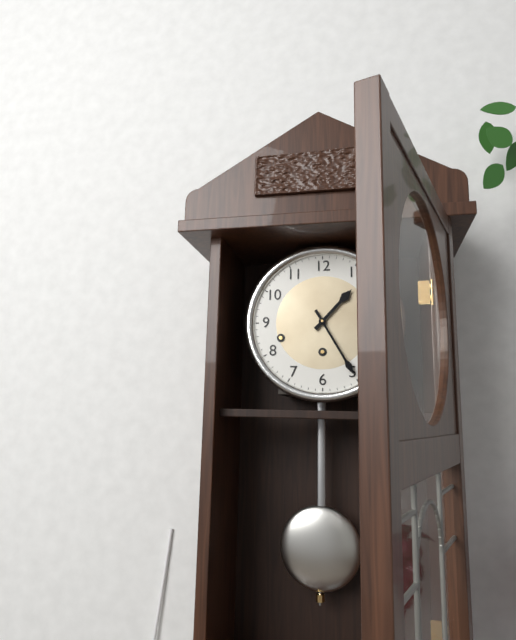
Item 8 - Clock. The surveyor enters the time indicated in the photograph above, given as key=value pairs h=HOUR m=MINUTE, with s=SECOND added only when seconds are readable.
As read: h=1 m=25
